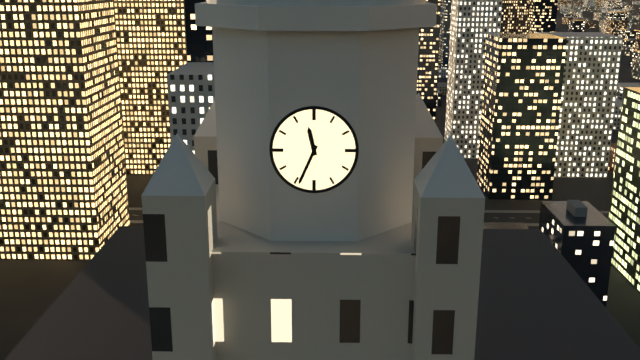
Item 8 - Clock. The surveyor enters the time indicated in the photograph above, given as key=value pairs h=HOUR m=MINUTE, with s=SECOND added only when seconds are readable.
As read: h=11 m=34
